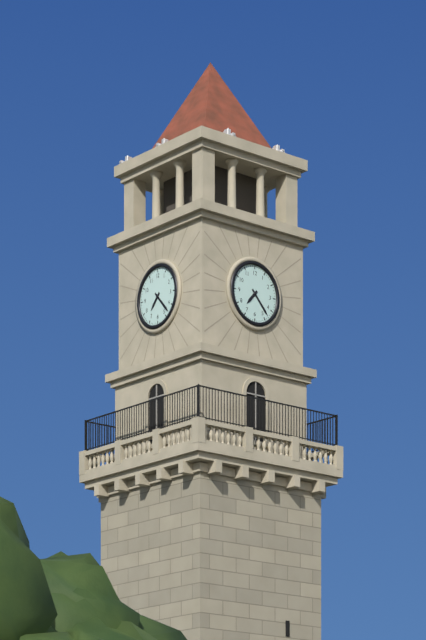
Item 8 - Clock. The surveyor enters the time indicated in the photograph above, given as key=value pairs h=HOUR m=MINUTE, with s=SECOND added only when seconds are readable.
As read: h=7 m=23
